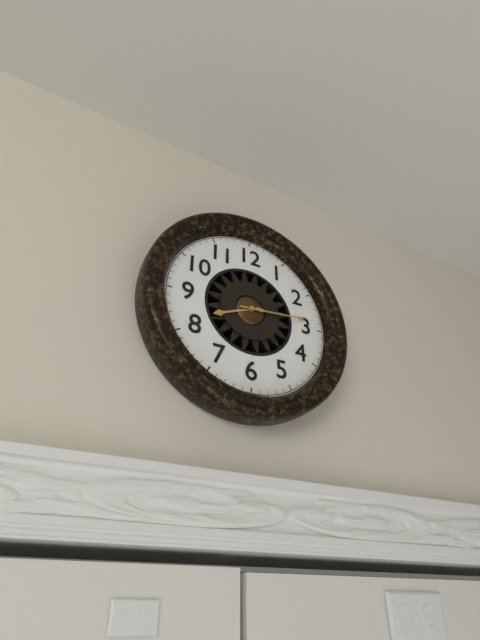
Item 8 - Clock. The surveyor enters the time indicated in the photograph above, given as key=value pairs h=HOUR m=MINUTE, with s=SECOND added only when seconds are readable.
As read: h=8 m=14
